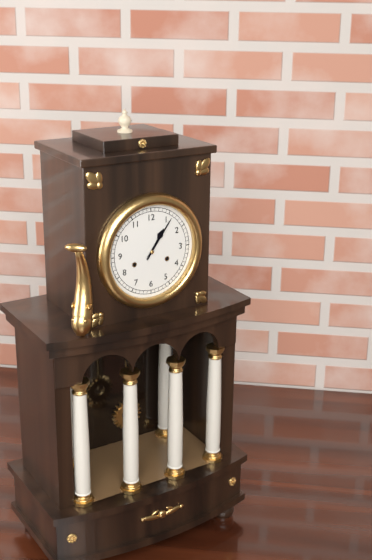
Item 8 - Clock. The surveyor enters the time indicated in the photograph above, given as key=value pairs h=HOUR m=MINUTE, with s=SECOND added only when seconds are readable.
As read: h=1 m=6
